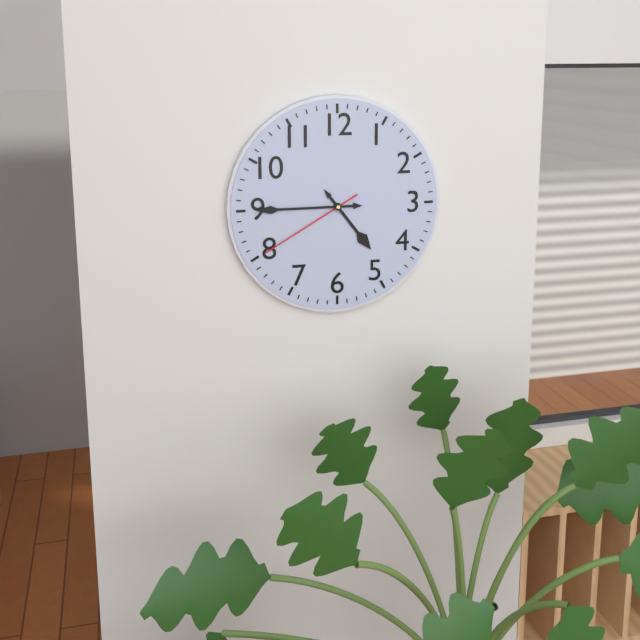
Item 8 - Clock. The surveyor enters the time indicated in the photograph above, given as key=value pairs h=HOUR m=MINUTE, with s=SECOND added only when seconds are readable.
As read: h=4 m=45 s=40
